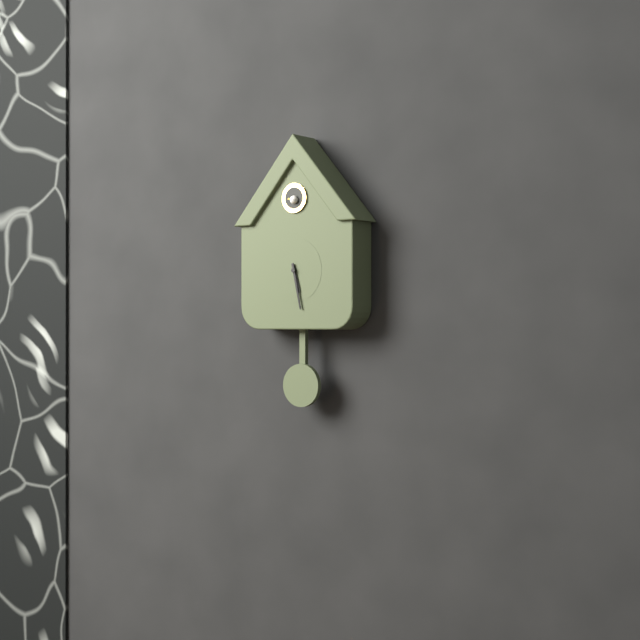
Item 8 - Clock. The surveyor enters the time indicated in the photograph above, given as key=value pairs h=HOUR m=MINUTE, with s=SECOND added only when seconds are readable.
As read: h=5 m=28
